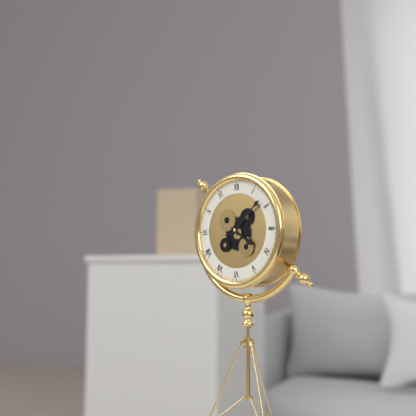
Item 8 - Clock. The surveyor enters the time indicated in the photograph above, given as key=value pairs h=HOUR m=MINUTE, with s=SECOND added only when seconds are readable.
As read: h=4 m=8
